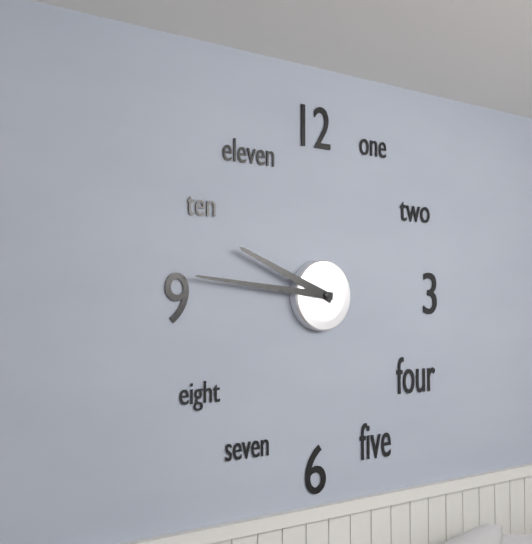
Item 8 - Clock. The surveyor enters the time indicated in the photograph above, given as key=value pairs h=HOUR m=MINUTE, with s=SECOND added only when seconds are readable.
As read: h=9 m=46
